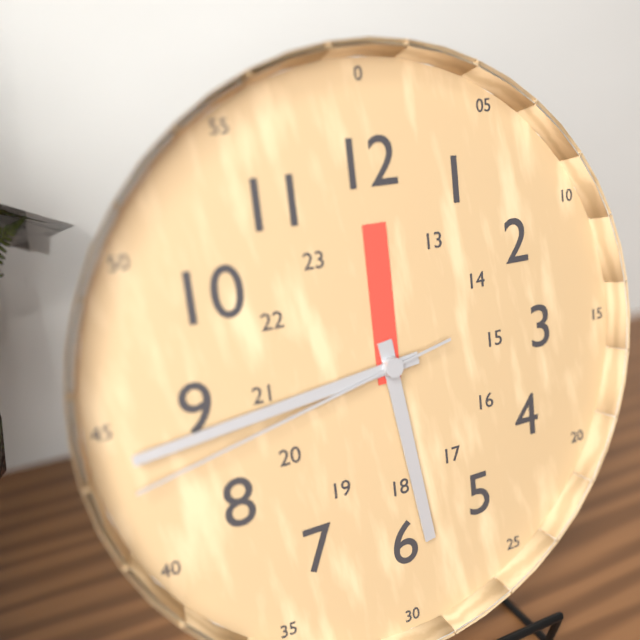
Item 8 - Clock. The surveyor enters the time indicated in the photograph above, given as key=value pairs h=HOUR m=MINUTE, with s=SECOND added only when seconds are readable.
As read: h=5 m=44 s=43
